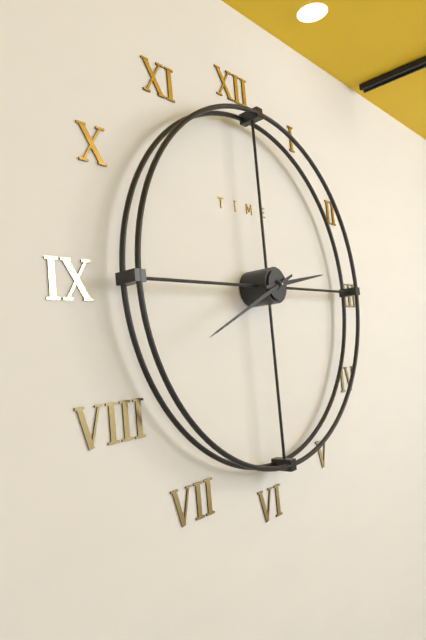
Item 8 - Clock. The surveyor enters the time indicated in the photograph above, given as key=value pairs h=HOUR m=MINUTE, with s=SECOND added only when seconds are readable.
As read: h=2 m=41
